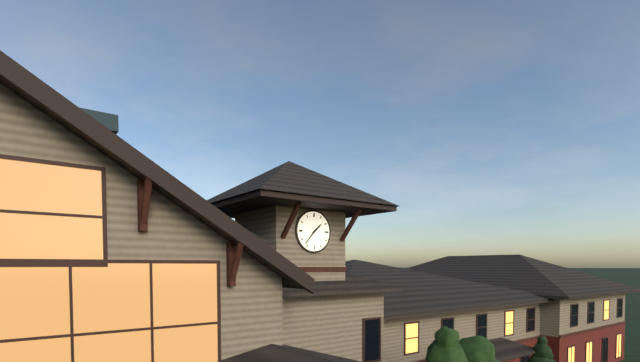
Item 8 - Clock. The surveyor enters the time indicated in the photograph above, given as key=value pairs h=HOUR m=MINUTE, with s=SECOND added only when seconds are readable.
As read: h=1 m=37
